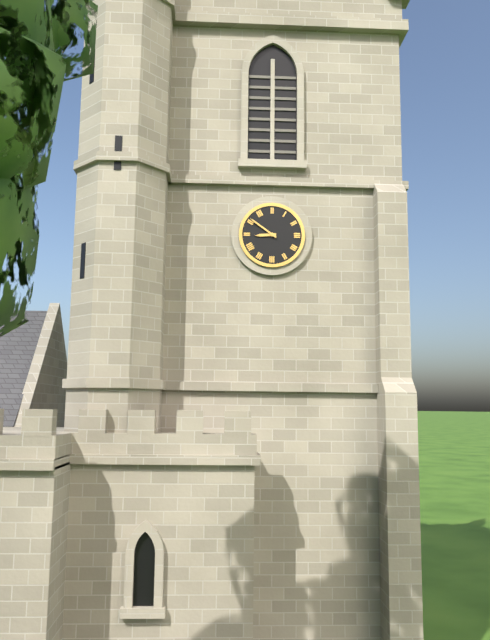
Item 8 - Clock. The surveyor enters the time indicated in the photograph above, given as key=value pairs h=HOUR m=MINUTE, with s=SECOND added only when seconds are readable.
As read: h=8 m=51
